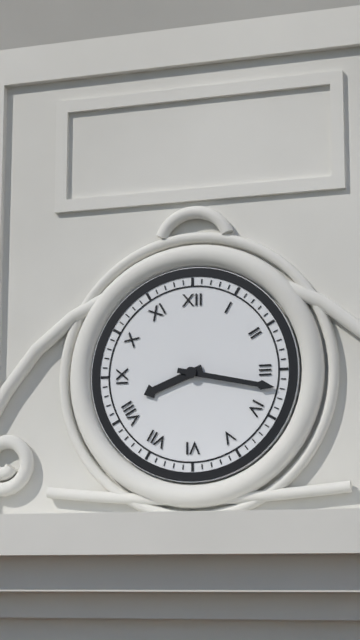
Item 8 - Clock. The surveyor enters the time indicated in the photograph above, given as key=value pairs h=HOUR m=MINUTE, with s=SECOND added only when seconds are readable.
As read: h=8 m=17
